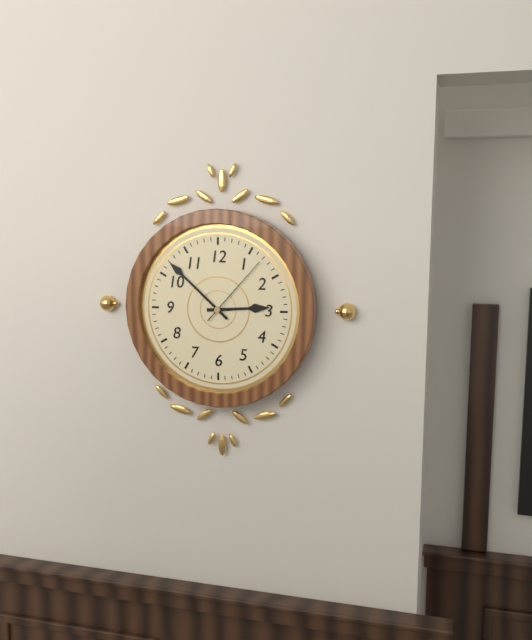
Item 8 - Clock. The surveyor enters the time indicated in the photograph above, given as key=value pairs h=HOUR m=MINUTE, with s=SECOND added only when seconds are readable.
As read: h=2 m=52 s=7
